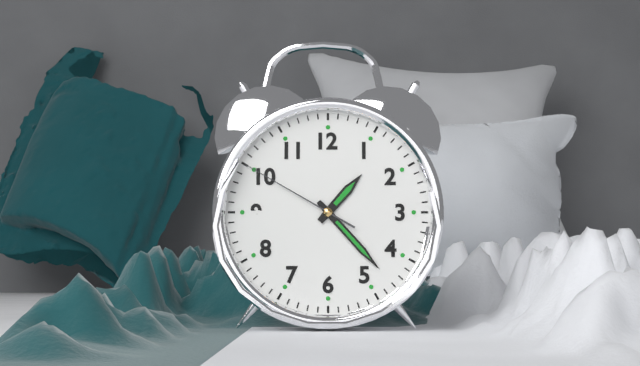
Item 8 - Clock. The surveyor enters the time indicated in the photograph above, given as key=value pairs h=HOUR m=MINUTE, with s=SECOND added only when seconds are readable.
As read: h=1 m=23 s=50
